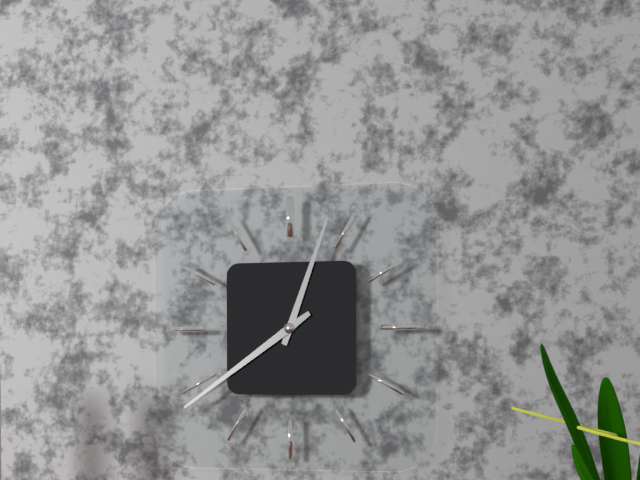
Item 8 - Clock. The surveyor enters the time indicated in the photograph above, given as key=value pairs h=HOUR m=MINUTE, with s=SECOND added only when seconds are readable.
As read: h=12 m=39
